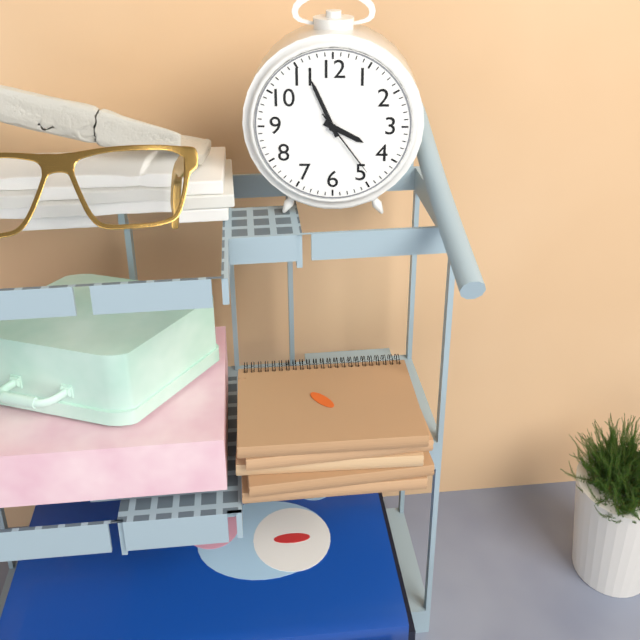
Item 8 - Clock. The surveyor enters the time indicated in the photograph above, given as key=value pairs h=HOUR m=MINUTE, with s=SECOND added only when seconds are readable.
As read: h=3 m=56 s=24
